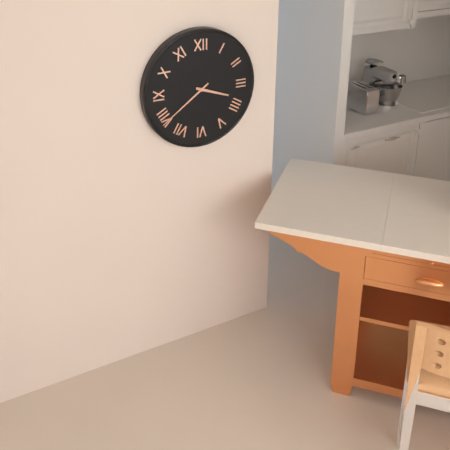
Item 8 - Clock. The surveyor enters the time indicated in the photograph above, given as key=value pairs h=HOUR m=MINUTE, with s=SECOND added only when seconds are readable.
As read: h=3 m=39
